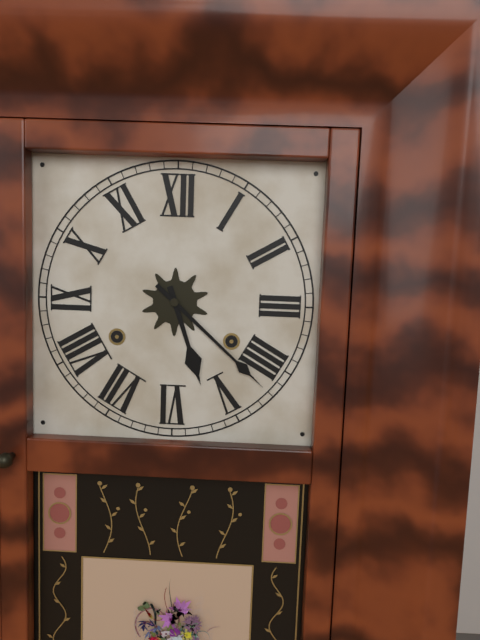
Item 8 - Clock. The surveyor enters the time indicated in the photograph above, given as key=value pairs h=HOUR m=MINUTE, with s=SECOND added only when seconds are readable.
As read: h=5 m=22
